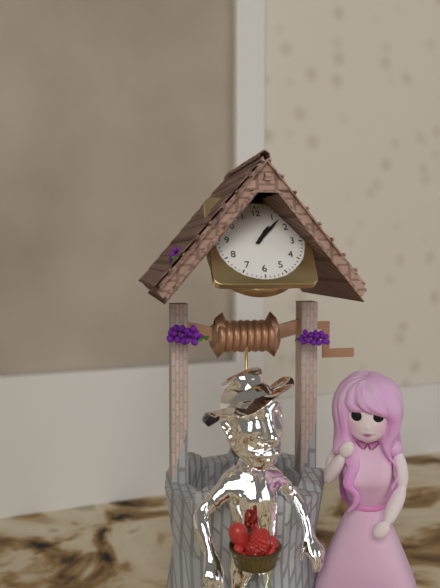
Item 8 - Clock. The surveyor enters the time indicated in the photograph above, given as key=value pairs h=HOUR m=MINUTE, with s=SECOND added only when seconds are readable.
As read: h=1 m=7
